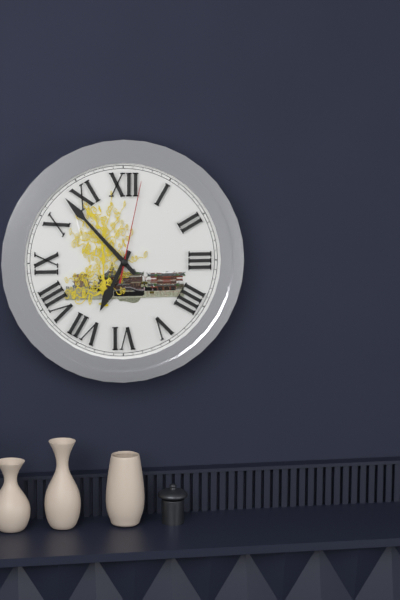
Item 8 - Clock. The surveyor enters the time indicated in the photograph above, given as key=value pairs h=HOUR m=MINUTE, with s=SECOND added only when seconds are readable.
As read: h=6 m=53 s=2
